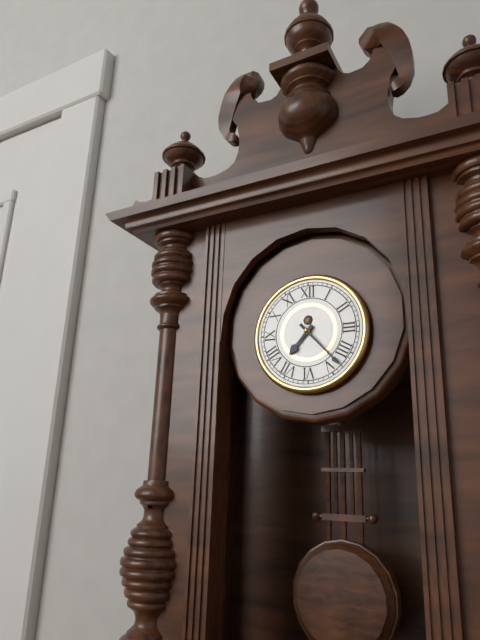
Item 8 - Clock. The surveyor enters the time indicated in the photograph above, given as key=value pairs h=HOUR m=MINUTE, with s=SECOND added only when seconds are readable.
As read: h=7 m=23
